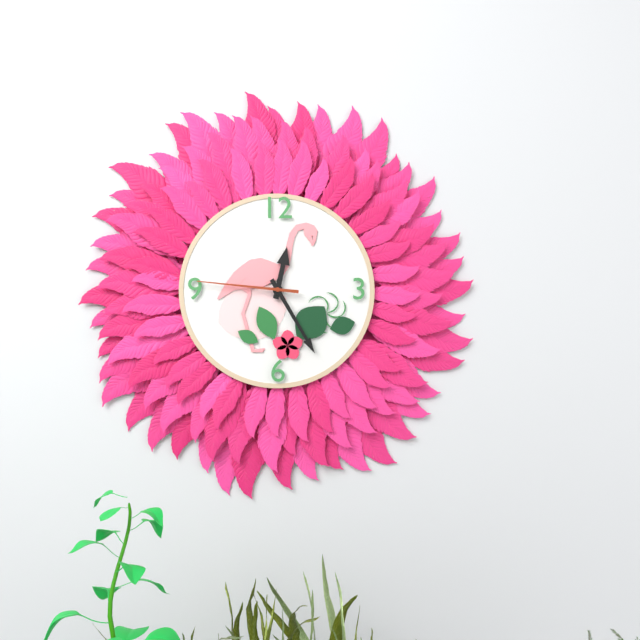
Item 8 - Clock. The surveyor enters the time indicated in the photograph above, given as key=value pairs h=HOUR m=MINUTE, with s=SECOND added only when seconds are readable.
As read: h=12 m=25 s=46
